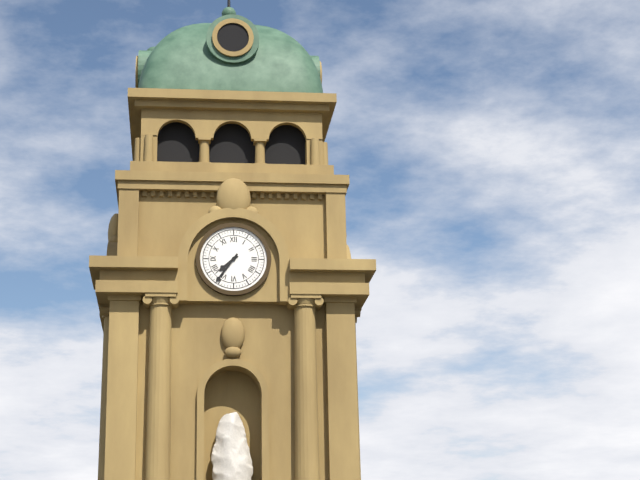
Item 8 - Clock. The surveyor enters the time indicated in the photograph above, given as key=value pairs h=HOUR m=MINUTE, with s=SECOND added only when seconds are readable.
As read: h=7 m=36
